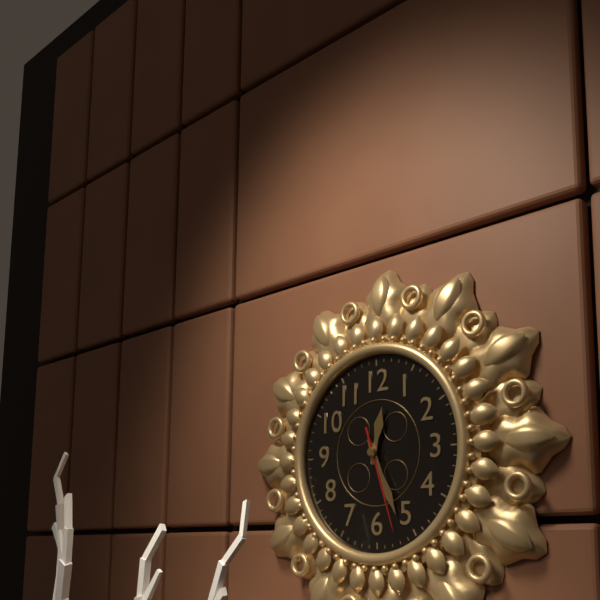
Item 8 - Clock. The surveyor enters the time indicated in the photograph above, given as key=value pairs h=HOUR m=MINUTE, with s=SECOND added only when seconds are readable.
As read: h=12 m=26 s=27
